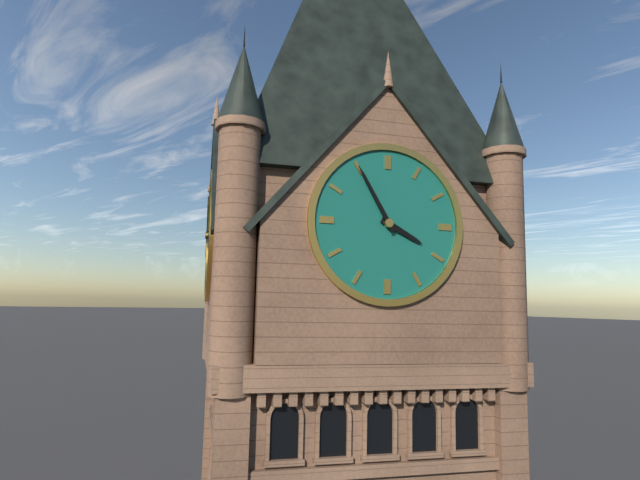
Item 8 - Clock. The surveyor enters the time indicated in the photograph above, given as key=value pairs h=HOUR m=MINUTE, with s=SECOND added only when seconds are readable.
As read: h=3 m=55
